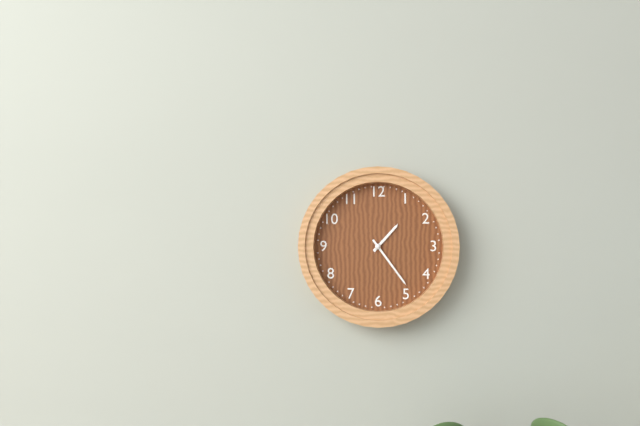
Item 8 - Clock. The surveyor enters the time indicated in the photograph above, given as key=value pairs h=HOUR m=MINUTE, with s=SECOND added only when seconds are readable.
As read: h=1 m=24
